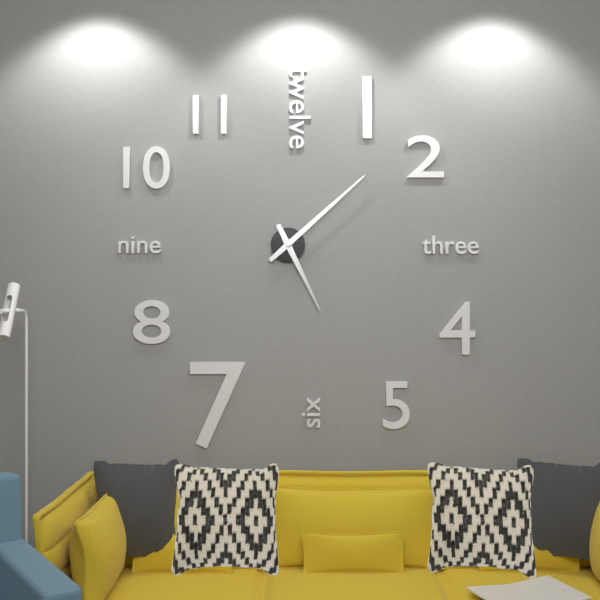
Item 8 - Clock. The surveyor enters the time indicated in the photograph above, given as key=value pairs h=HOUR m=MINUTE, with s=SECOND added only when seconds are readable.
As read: h=5 m=8
